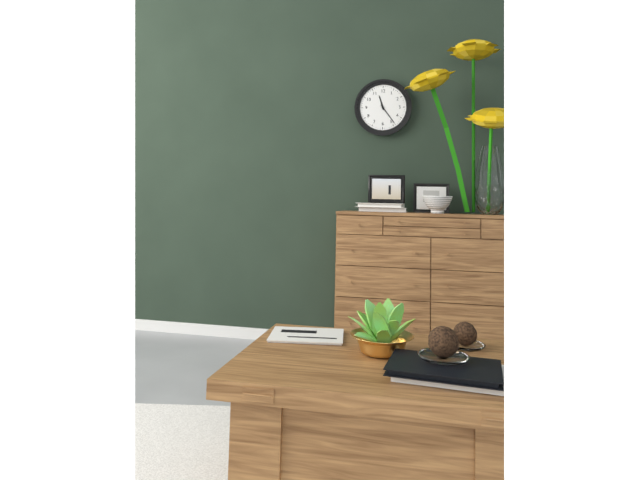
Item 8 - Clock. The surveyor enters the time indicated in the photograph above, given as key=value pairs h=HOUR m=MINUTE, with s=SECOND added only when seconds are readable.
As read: h=11 m=24
